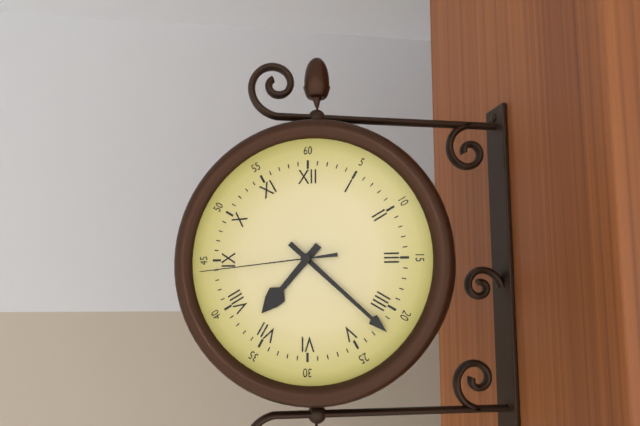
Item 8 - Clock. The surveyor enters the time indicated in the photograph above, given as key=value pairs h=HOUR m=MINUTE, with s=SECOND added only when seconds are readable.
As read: h=7 m=22 s=44
